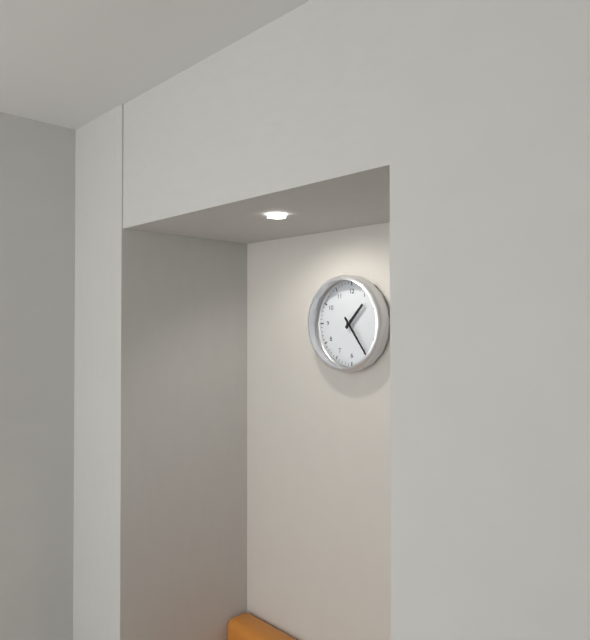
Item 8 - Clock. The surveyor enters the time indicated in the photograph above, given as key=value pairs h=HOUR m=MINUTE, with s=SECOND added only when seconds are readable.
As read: h=1 m=24
